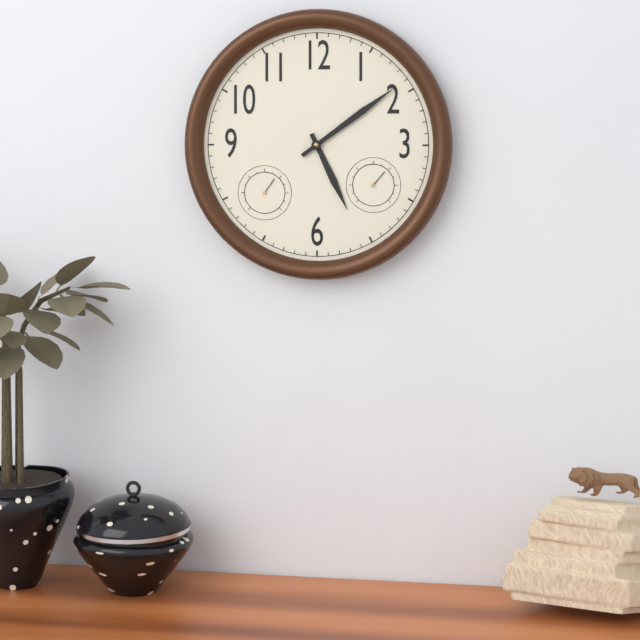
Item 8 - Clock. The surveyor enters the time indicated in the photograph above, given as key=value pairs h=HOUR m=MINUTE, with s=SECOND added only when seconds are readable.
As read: h=5 m=9
